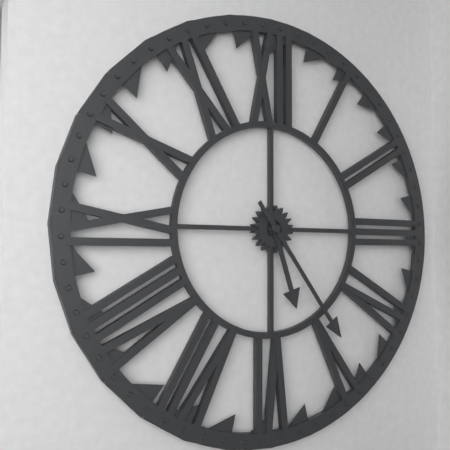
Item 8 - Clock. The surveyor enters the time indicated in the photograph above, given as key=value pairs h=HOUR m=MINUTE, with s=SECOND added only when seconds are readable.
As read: h=5 m=24
